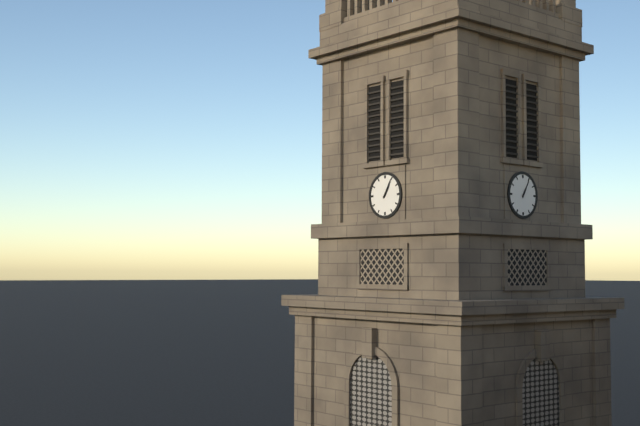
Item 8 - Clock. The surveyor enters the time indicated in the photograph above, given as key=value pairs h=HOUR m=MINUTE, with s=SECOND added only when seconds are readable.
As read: h=1 m=5
